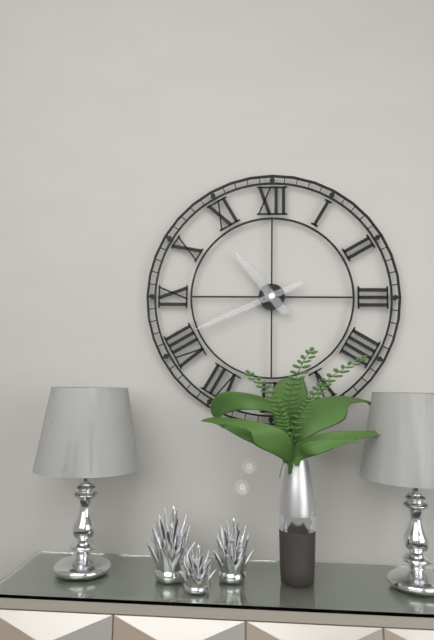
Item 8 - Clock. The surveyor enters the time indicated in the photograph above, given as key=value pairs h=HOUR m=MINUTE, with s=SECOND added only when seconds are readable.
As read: h=10 m=41
